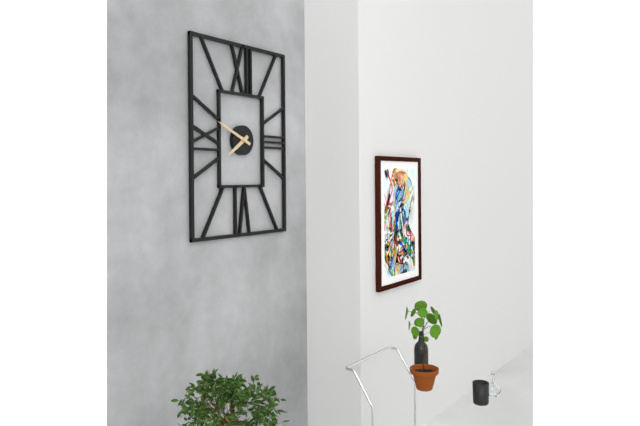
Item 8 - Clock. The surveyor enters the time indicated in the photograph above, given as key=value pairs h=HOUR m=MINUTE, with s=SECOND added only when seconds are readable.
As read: h=7 m=49
